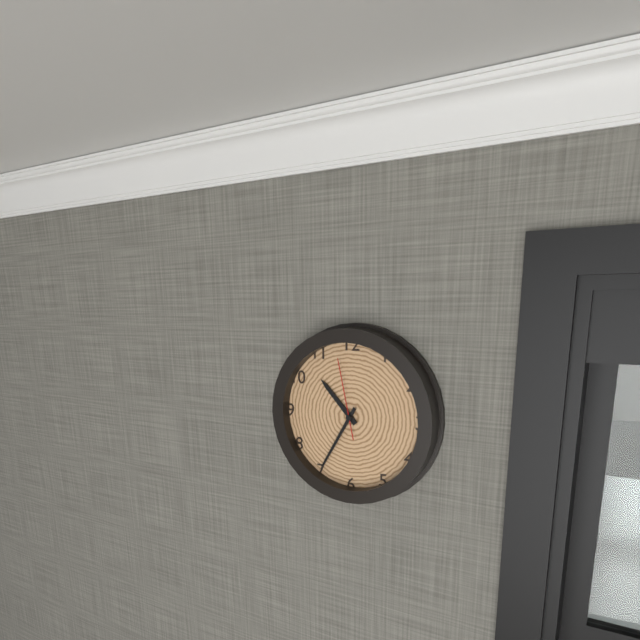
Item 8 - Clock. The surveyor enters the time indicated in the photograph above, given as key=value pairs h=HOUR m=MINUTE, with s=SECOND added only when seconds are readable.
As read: h=10 m=35 s=58
